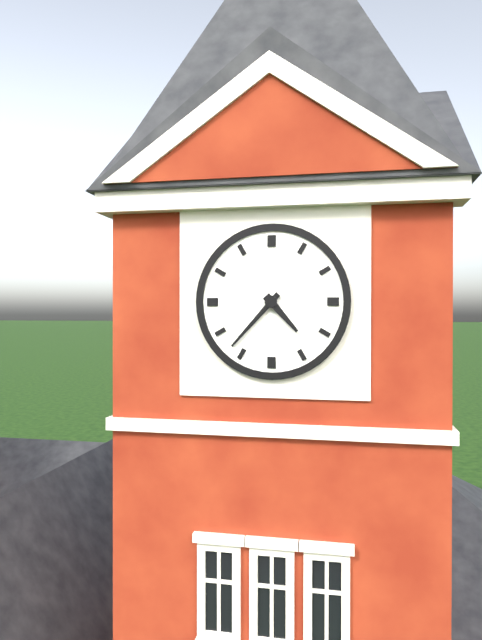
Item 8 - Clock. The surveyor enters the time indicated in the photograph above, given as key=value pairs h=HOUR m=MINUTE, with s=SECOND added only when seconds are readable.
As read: h=4 m=37
